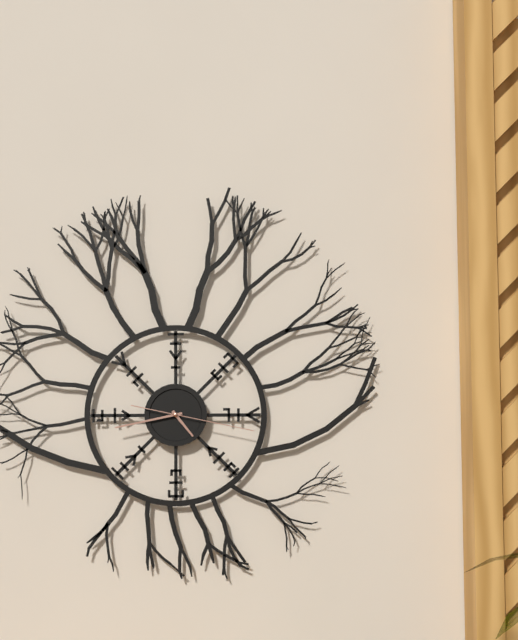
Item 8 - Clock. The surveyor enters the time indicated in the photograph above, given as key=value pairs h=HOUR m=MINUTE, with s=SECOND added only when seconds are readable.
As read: h=4 m=43 s=17
